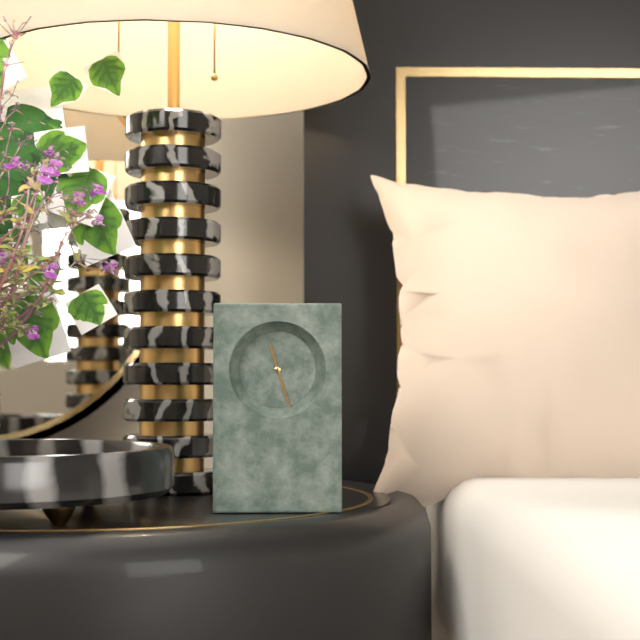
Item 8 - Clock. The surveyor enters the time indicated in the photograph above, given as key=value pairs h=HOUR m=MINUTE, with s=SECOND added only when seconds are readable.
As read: h=11 m=27
